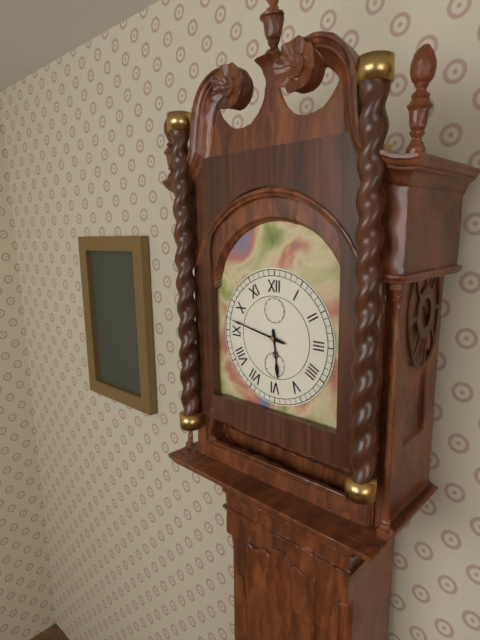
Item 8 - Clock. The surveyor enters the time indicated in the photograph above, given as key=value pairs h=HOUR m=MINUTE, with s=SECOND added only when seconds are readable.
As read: h=5 m=47
